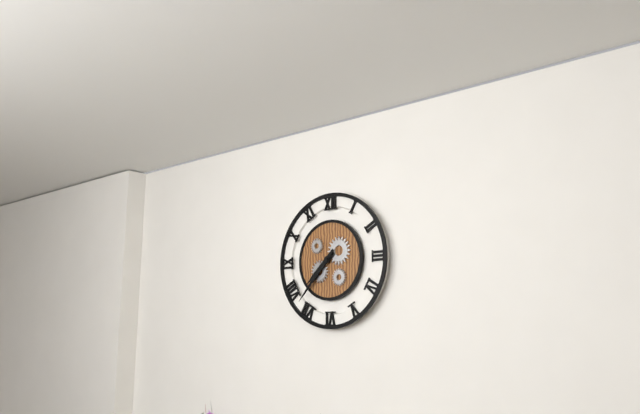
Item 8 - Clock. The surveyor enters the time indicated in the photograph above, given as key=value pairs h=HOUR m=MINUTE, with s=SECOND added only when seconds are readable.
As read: h=7 m=37
